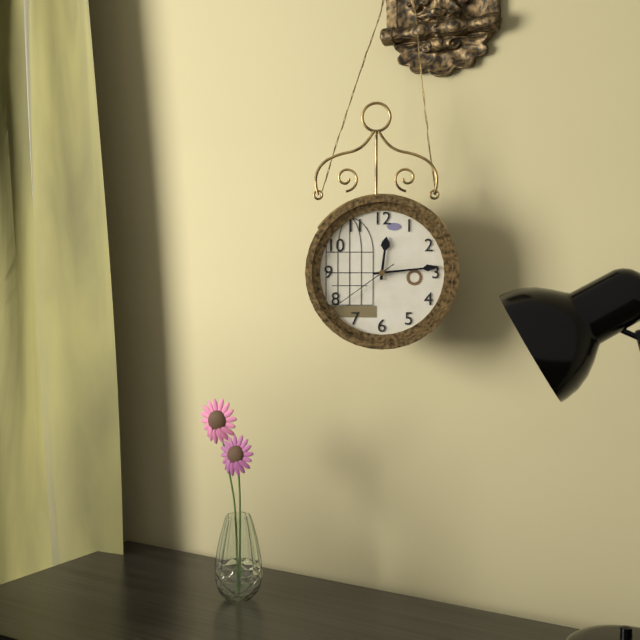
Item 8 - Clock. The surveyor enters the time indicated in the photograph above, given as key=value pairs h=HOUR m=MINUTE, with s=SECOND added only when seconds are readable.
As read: h=12 m=14 s=39
